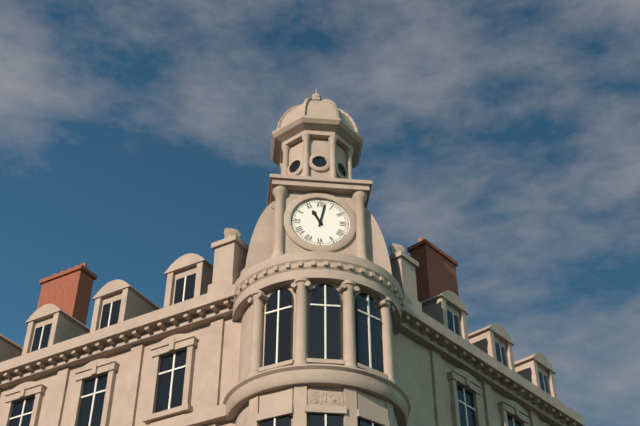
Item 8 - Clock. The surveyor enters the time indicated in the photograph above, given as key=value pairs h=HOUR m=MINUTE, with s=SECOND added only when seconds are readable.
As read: h=11 m=2
